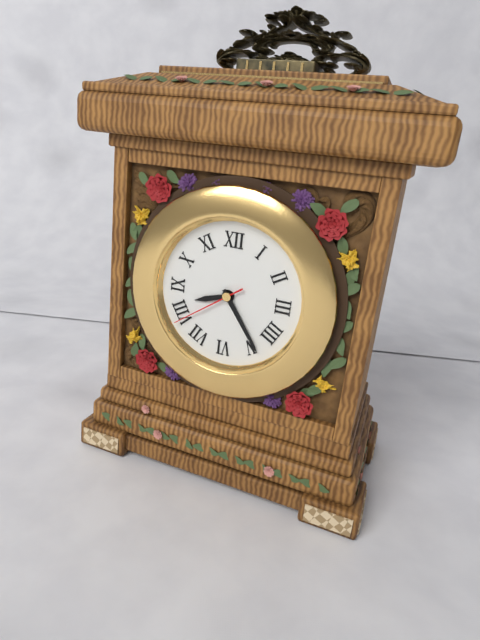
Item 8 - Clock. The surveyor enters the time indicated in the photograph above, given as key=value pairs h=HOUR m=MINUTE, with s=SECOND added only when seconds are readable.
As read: h=8 m=24 s=39
